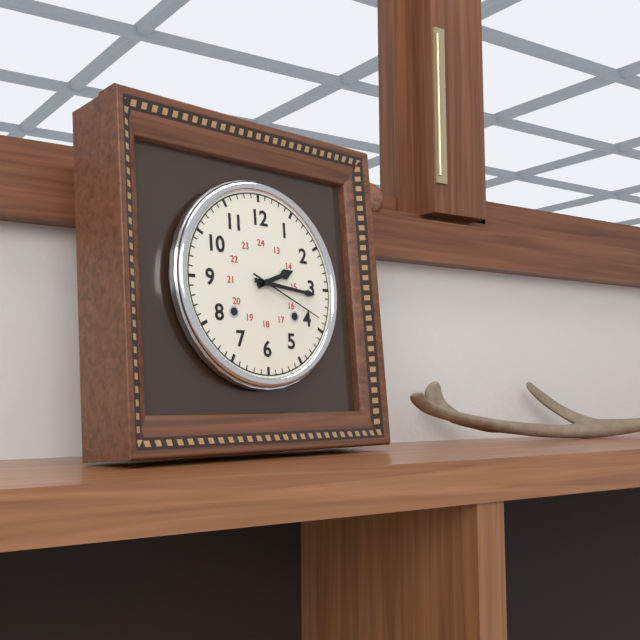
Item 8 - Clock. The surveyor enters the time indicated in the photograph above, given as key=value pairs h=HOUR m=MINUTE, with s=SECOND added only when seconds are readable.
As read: h=2 m=16 s=19
